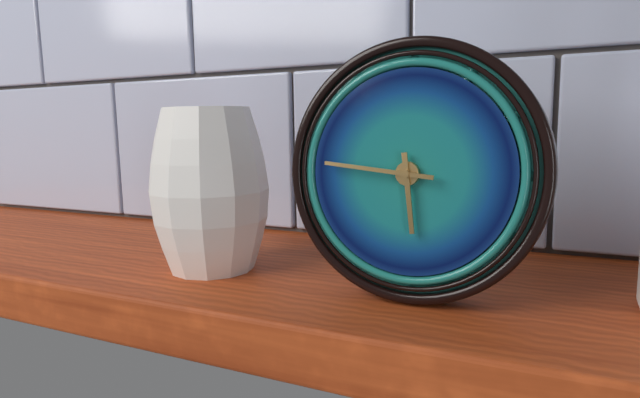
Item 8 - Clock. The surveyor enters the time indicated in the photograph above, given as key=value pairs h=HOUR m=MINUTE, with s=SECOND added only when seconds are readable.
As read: h=5 m=46
